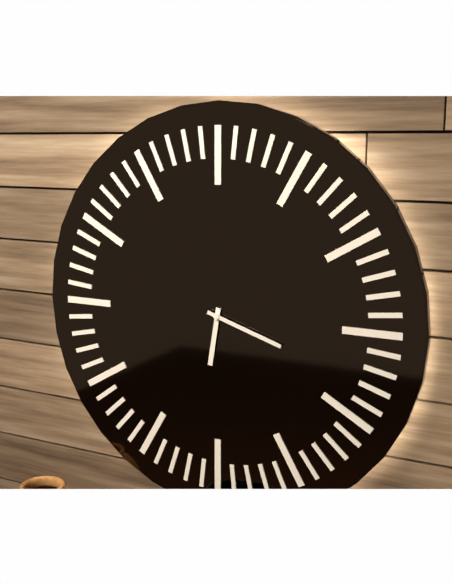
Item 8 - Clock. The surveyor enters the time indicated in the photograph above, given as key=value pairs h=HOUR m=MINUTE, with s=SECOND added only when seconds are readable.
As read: h=6 m=18
